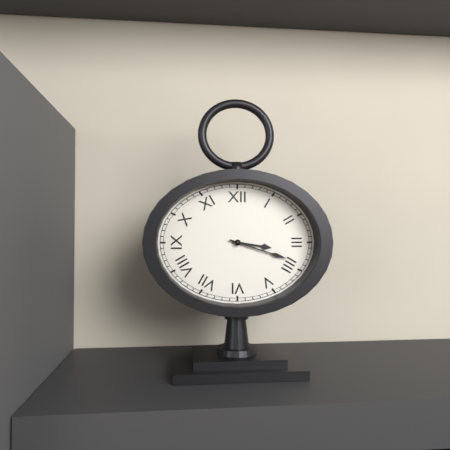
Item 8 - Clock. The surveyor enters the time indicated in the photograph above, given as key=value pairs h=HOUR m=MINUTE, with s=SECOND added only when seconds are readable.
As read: h=3 m=18
